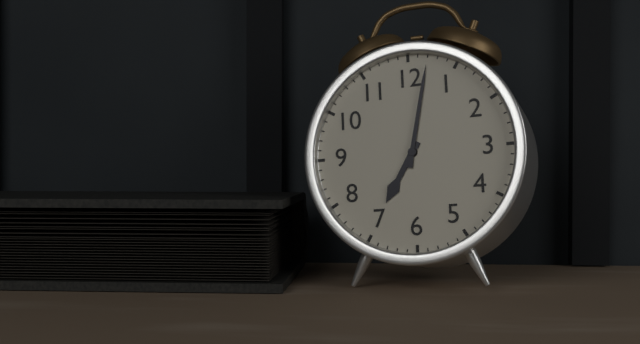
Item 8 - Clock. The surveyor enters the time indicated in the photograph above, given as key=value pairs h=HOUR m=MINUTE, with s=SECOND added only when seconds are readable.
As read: h=7 m=2
